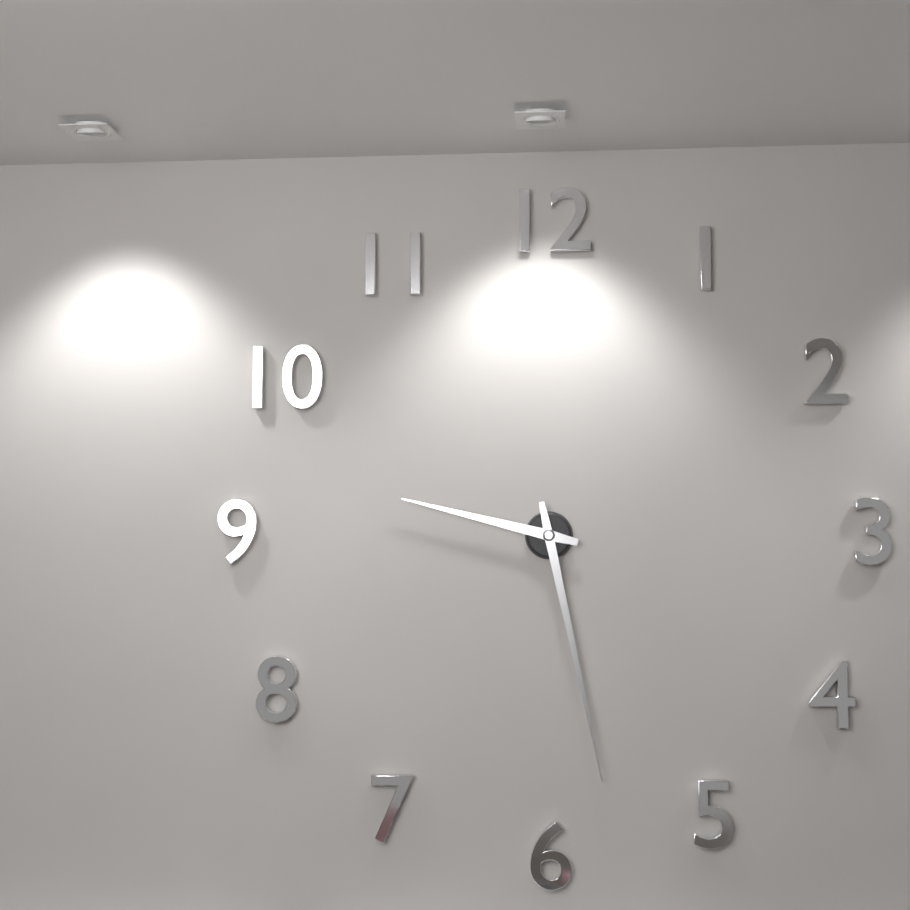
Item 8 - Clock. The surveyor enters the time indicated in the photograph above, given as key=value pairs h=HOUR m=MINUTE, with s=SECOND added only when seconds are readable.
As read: h=9 m=28
